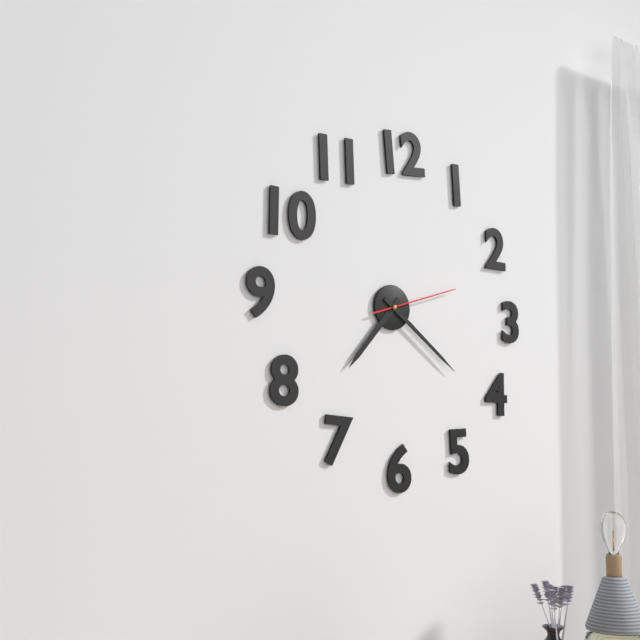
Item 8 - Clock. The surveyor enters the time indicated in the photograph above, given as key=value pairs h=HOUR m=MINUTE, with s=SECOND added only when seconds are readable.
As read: h=7 m=21 s=12
